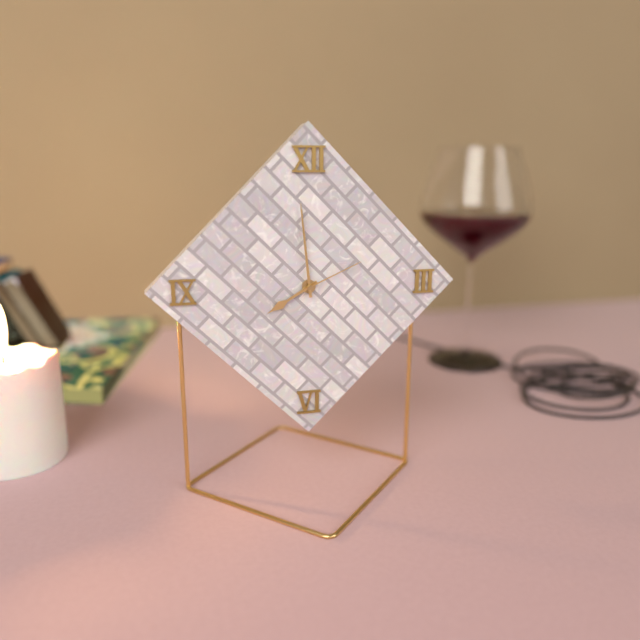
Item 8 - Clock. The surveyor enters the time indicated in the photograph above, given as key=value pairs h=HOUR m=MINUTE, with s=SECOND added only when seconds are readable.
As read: h=7 m=59 s=11
